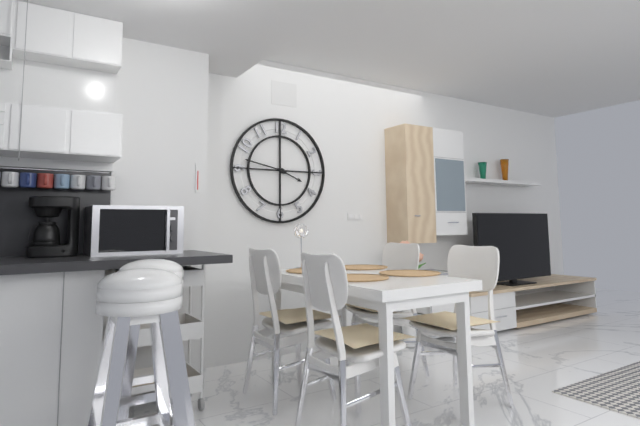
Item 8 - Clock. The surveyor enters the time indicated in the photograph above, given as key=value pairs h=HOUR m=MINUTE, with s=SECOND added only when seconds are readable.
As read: h=3 m=47
